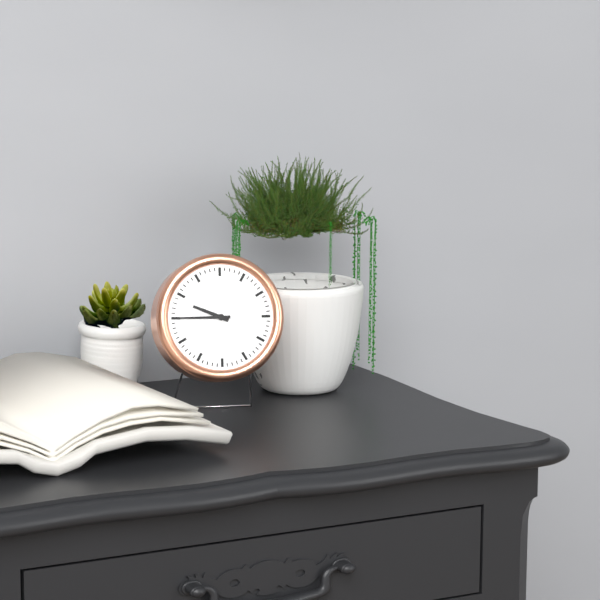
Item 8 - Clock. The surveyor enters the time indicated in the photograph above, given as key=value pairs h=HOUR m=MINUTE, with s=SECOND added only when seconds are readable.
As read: h=9 m=45
